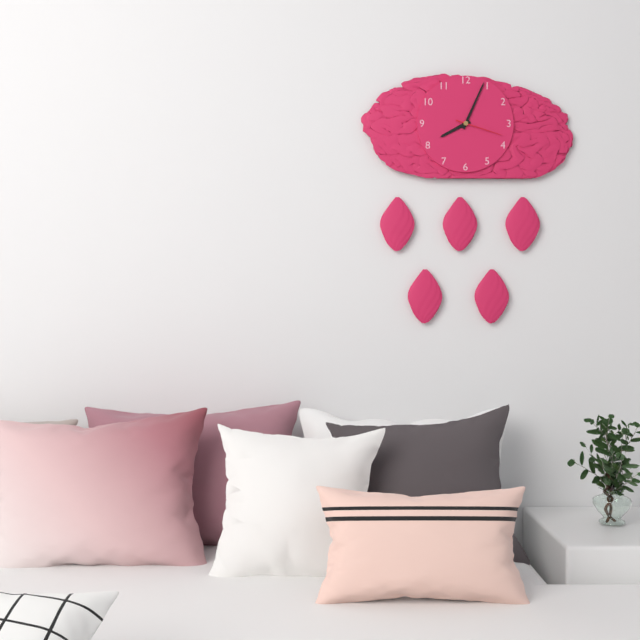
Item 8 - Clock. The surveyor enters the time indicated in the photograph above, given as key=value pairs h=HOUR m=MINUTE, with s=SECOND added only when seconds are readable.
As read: h=8 m=4
